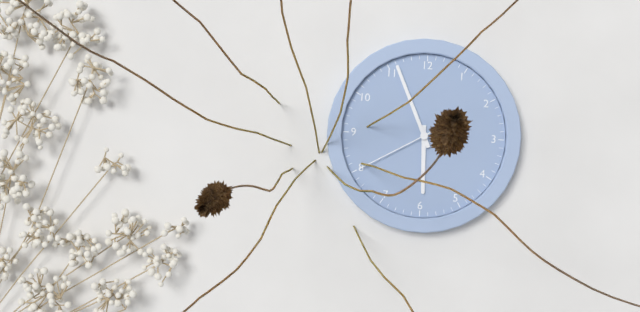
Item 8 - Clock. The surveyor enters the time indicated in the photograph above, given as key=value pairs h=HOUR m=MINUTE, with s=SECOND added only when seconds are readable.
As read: h=5 m=56 s=40
